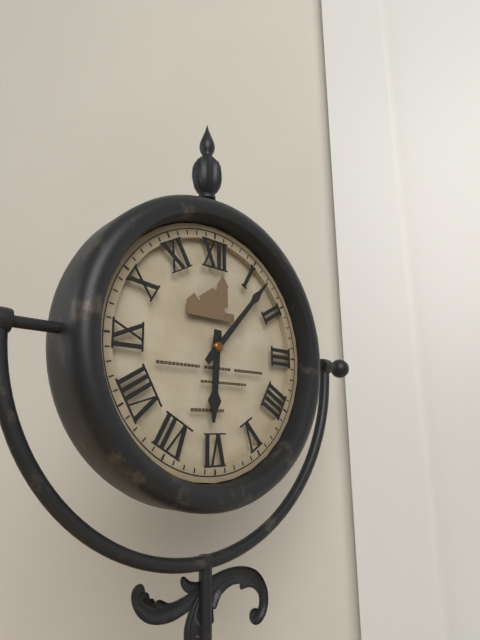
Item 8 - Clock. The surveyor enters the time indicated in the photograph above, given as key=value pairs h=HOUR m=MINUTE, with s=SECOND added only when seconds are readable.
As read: h=6 m=7
